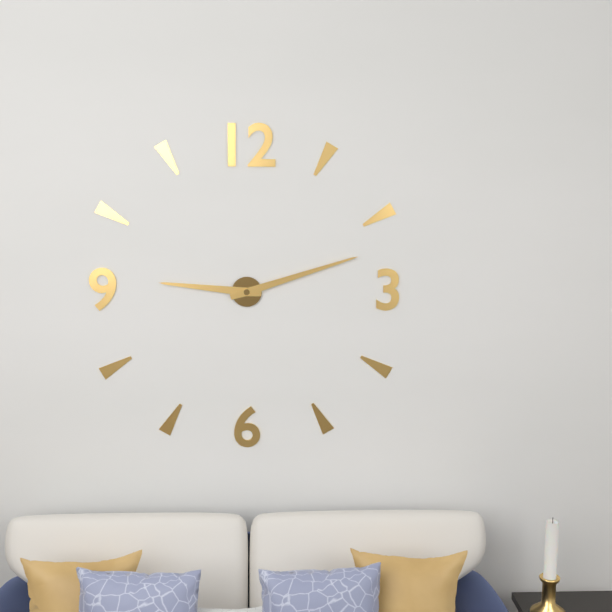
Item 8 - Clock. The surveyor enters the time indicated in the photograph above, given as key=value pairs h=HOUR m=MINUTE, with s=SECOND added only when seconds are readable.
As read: h=9 m=12
